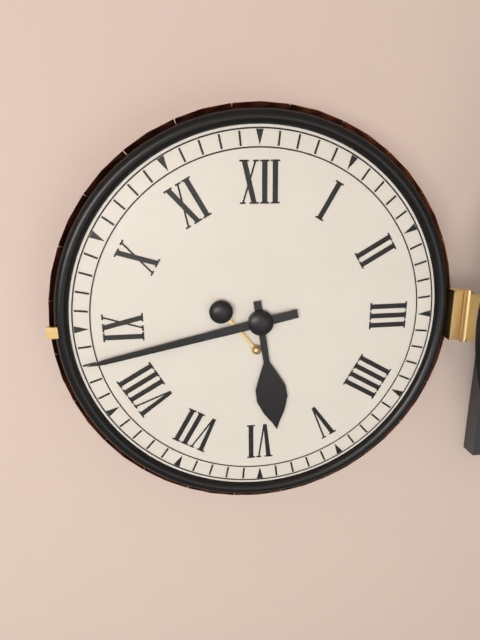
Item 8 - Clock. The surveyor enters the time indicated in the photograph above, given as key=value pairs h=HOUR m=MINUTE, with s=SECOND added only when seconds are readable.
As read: h=5 m=43
